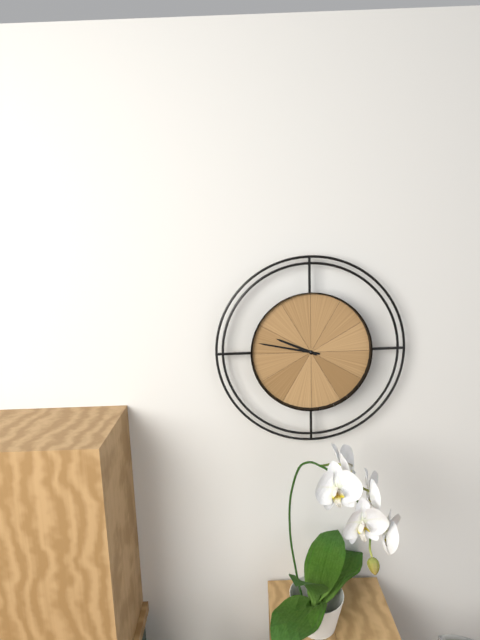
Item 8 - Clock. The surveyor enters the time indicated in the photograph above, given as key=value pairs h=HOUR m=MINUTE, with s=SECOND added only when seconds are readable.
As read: h=9 m=47
